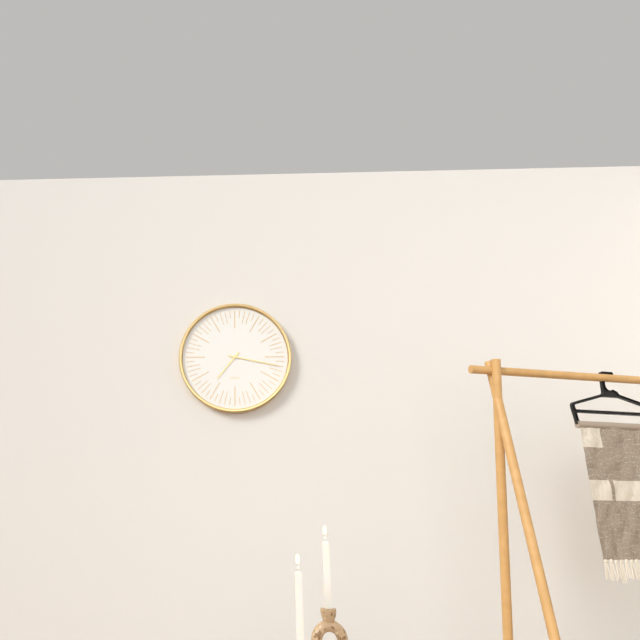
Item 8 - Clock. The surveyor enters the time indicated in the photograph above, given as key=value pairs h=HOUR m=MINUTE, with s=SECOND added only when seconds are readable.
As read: h=7 m=17
